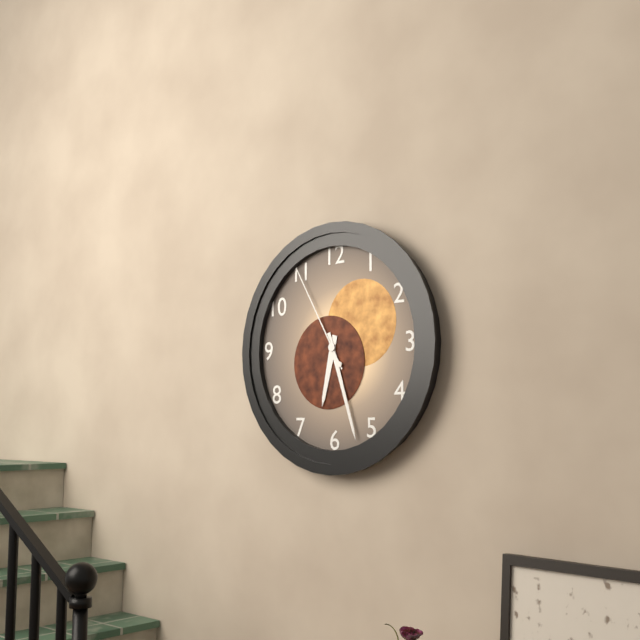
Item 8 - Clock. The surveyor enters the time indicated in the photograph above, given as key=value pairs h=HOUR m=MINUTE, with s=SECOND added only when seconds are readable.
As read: h=6 m=27 s=55
